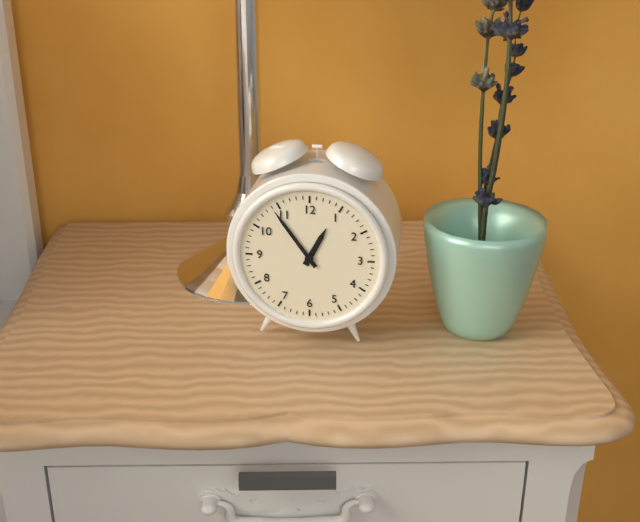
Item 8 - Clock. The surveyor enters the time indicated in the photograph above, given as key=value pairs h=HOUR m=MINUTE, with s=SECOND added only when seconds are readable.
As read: h=12 m=54
